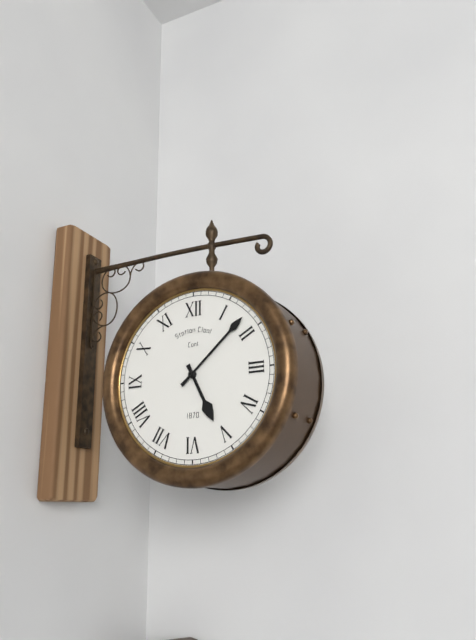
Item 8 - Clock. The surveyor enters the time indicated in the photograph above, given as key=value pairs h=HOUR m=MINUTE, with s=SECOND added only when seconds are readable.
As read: h=5 m=8
